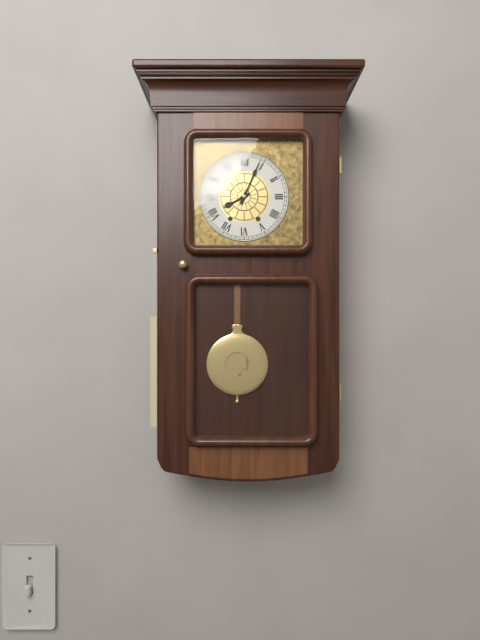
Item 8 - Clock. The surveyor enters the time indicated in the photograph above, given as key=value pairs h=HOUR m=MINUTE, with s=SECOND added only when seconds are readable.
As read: h=8 m=4
